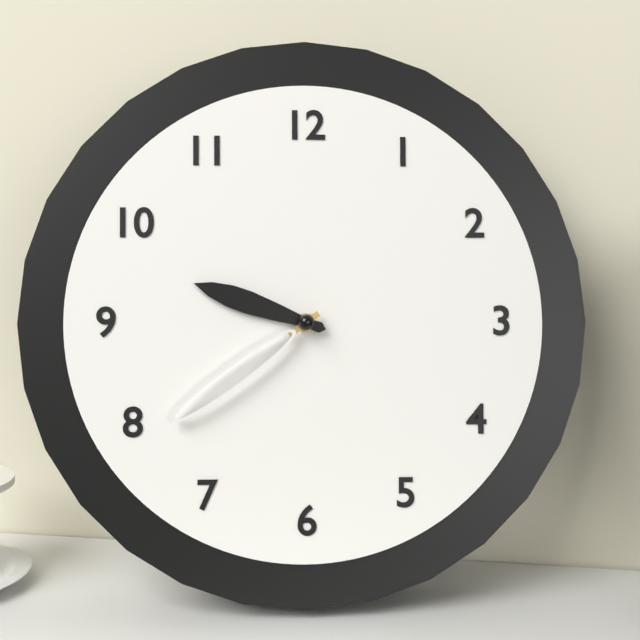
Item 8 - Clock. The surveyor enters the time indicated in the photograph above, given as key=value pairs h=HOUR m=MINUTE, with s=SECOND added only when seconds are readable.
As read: h=9 m=39
